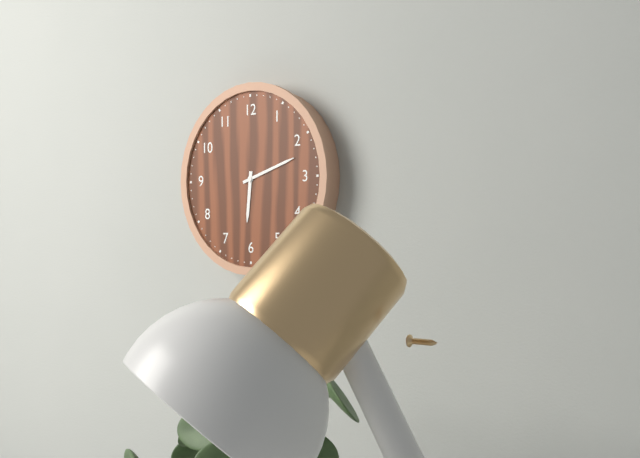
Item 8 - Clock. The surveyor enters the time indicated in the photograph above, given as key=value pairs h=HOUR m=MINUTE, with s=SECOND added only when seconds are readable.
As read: h=6 m=12
